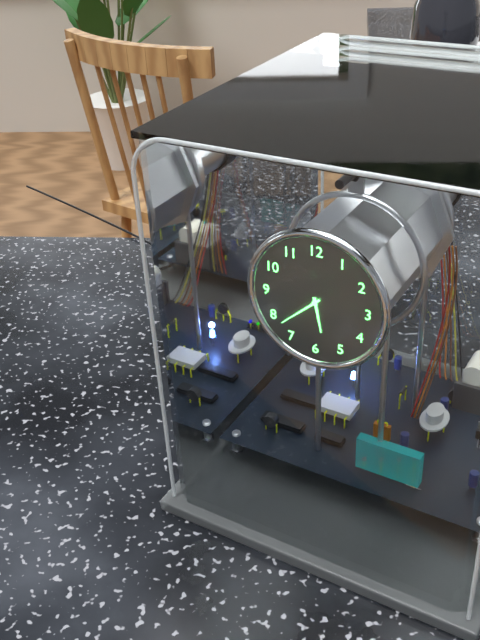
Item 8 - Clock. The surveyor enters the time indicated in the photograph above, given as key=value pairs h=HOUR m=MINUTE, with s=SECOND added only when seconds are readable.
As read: h=5 m=38
